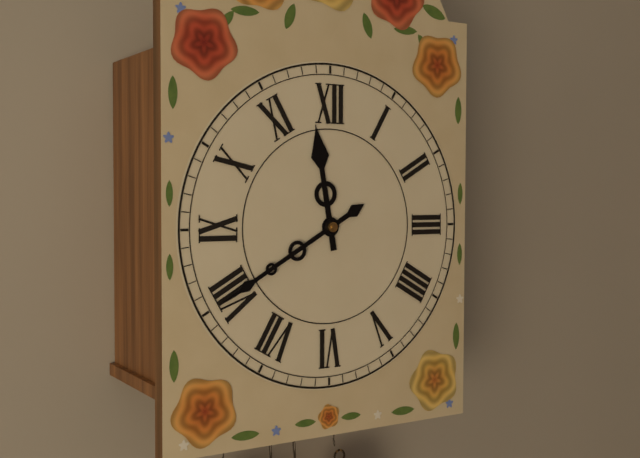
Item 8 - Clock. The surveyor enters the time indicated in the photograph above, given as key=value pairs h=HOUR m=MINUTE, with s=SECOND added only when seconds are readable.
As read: h=11 m=40
